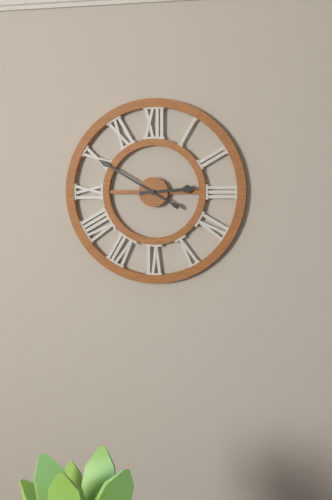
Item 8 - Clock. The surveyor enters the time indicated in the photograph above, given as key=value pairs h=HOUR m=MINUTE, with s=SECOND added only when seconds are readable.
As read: h=2 m=50
